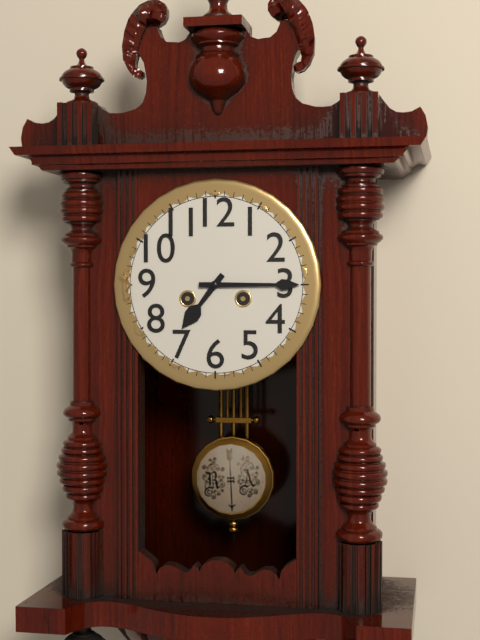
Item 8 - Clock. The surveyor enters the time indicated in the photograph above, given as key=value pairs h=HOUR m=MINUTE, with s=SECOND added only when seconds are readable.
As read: h=7 m=15
